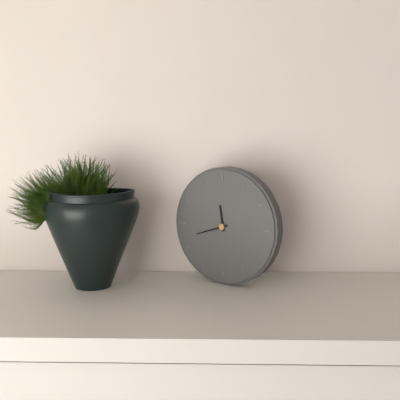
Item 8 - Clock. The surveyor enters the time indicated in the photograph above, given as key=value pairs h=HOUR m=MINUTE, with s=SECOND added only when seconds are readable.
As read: h=11 m=42
